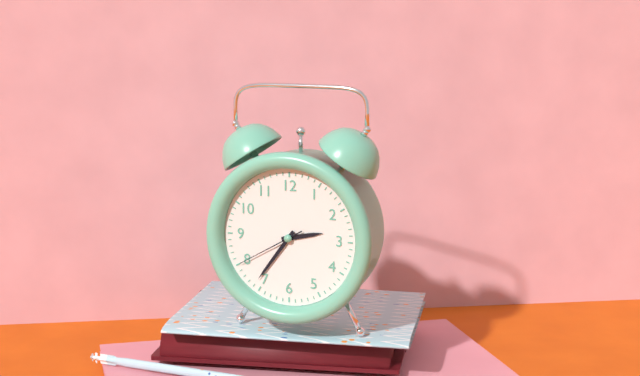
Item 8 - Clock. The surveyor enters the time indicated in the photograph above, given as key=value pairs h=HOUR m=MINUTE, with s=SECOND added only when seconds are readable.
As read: h=2 m=36 s=40
